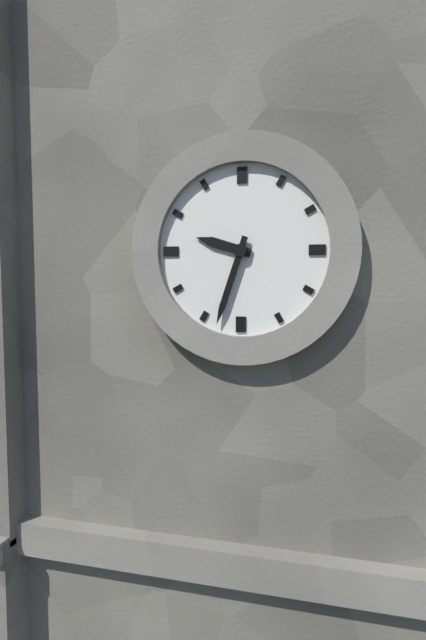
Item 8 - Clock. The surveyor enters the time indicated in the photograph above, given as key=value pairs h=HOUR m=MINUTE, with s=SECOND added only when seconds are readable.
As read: h=9 m=33
